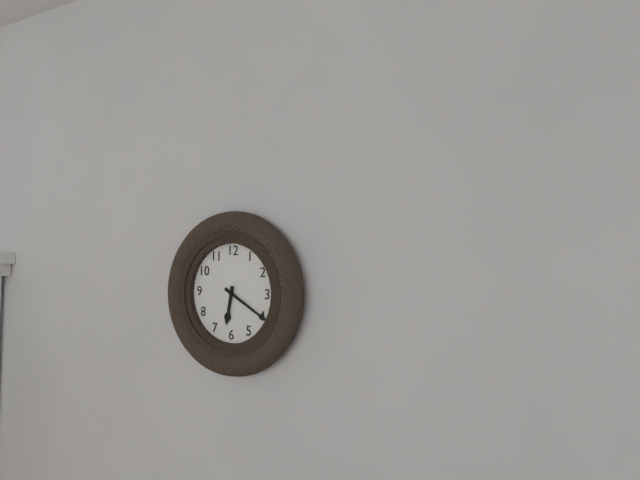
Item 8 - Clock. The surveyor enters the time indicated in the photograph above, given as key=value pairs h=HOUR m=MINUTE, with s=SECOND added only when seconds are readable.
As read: h=6 m=20
